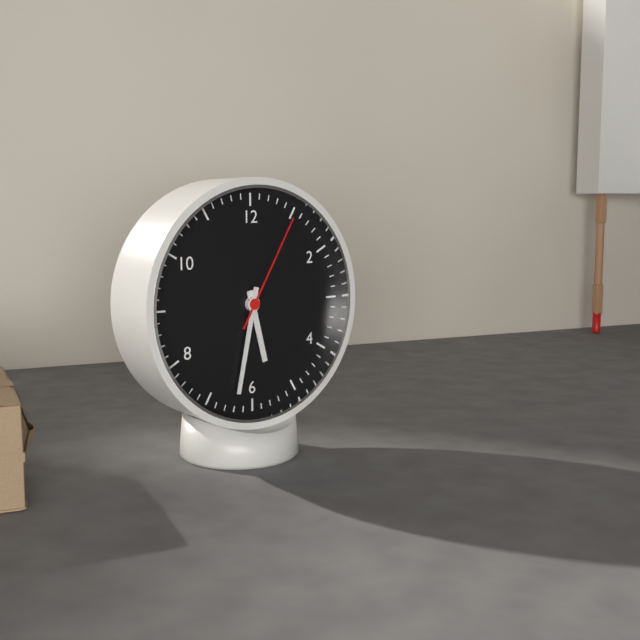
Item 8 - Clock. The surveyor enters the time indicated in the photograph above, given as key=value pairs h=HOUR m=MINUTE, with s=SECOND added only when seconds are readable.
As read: h=5 m=32 s=5
